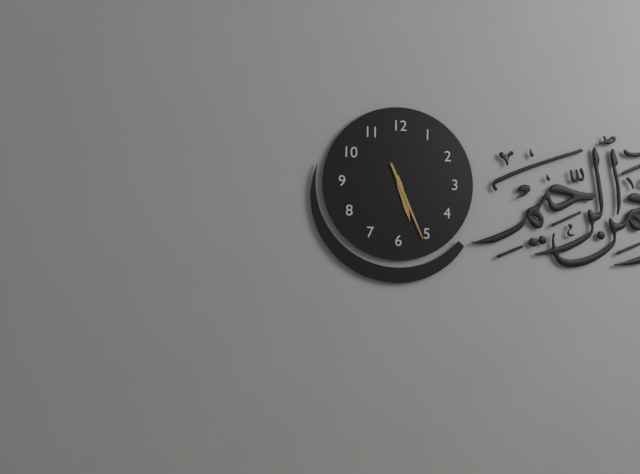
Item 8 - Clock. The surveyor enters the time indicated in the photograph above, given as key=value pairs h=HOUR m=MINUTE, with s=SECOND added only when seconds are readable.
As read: h=5 m=26
